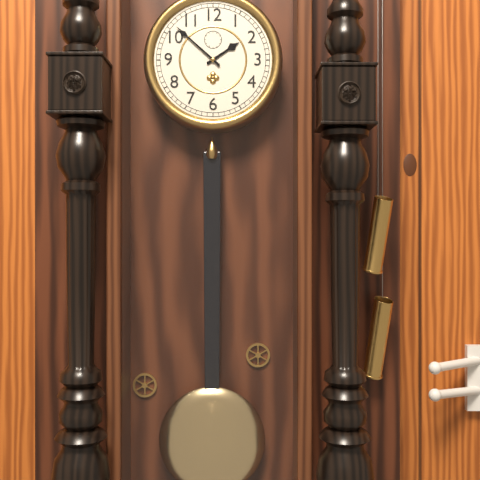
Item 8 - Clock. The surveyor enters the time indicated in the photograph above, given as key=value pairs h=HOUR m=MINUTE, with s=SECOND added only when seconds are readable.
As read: h=1 m=52
